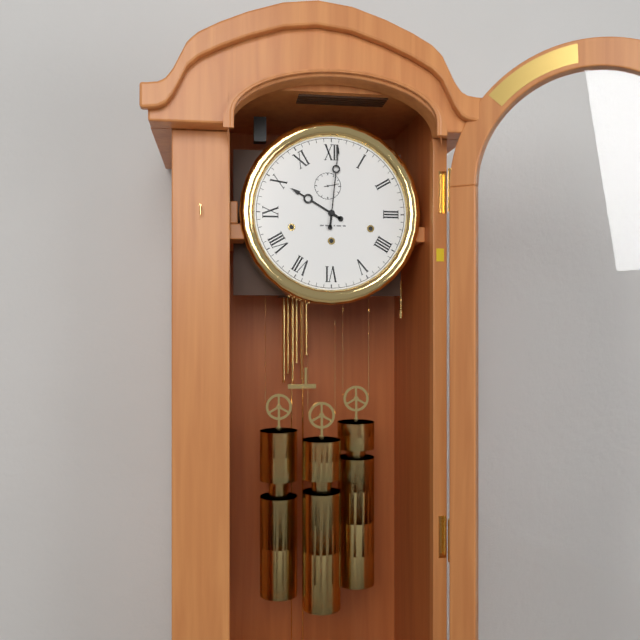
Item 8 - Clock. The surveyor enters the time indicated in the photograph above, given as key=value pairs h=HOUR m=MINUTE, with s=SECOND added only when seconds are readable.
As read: h=10 m=1
